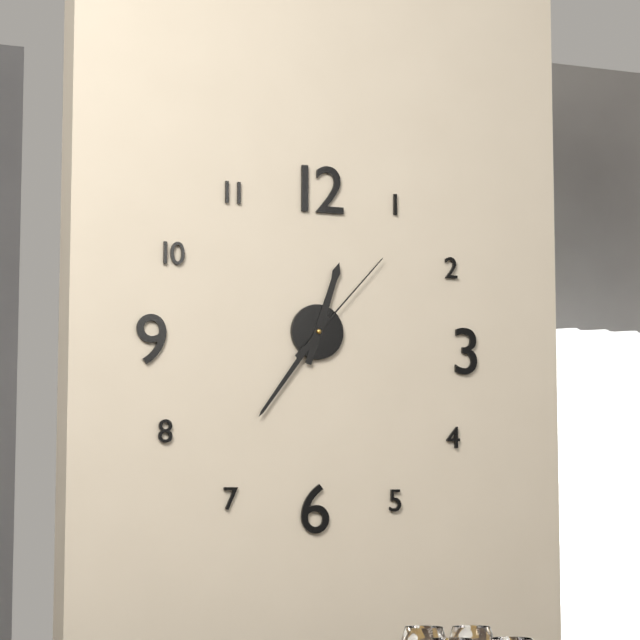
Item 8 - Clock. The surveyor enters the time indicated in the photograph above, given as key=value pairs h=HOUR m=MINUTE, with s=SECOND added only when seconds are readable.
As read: h=12 m=36 s=7
